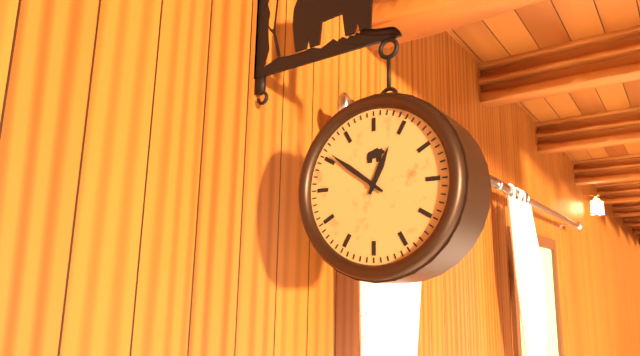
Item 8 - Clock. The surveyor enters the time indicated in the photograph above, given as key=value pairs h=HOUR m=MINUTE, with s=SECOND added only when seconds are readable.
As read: h=12 m=51
